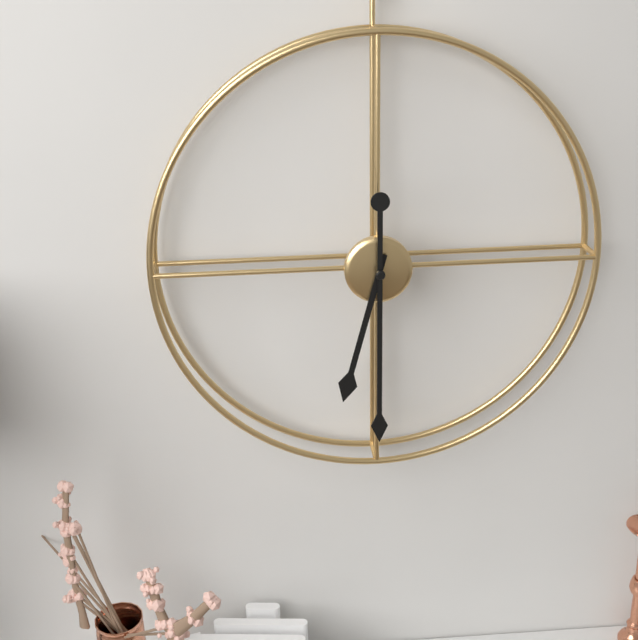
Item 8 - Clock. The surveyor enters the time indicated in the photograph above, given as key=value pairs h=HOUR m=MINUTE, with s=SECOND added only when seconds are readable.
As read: h=6 m=30
